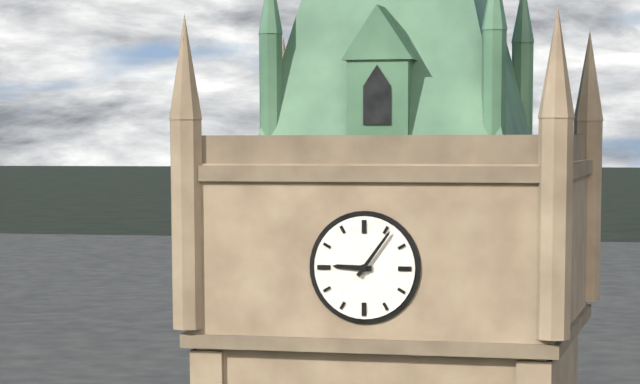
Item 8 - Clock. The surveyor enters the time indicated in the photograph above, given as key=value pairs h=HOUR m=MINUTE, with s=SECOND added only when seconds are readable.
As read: h=9 m=6
